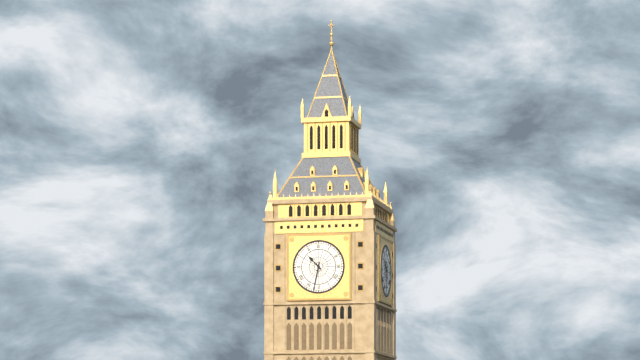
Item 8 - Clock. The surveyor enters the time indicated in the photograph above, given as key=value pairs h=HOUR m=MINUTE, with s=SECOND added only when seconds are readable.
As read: h=10 m=32
